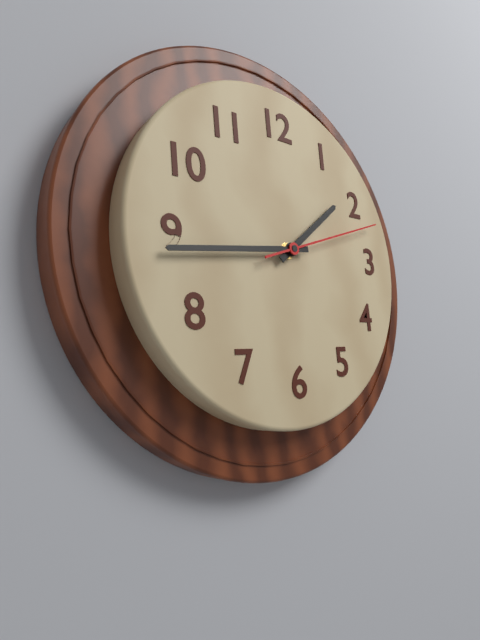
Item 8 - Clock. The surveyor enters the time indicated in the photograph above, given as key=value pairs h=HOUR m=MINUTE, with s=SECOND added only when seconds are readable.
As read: h=1 m=44 s=12
